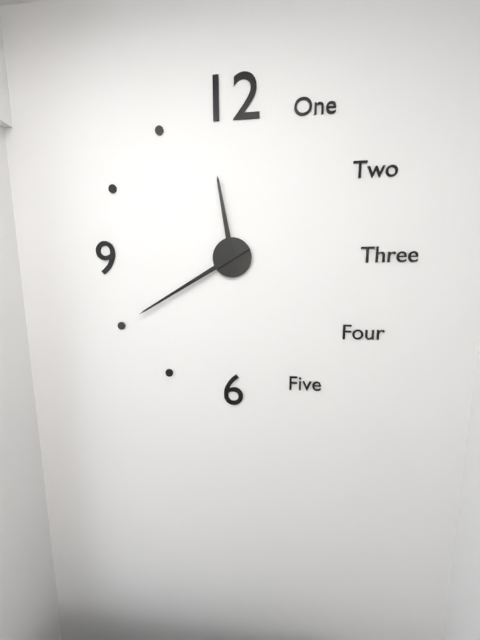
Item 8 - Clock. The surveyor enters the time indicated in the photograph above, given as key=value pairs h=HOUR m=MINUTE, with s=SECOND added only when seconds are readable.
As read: h=11 m=40
